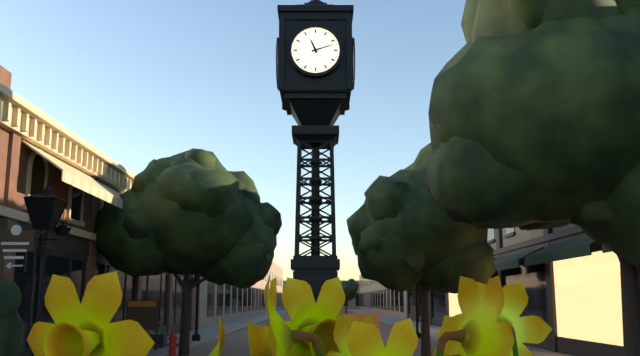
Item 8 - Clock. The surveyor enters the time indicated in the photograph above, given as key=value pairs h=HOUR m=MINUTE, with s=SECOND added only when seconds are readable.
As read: h=11 m=12
